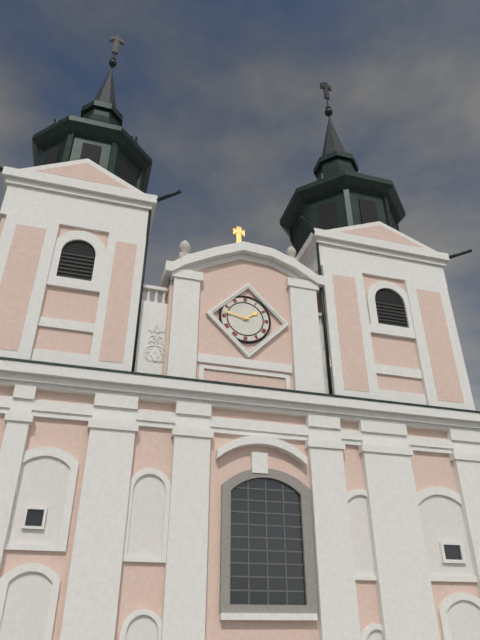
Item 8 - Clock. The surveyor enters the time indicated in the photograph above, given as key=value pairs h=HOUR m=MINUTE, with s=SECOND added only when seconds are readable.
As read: h=1 m=47
